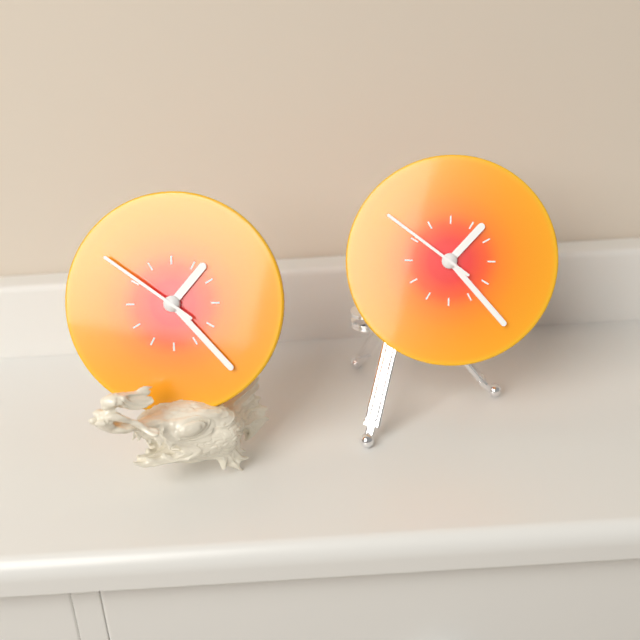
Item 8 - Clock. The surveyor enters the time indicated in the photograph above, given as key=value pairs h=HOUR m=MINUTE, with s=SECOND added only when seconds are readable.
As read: h=1 m=23 s=51
